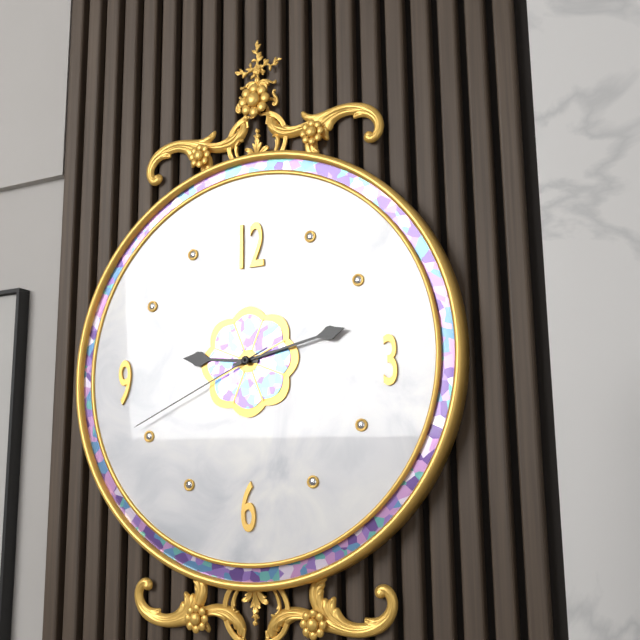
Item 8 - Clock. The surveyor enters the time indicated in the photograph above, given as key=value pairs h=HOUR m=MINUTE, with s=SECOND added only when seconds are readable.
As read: h=9 m=13 s=41
